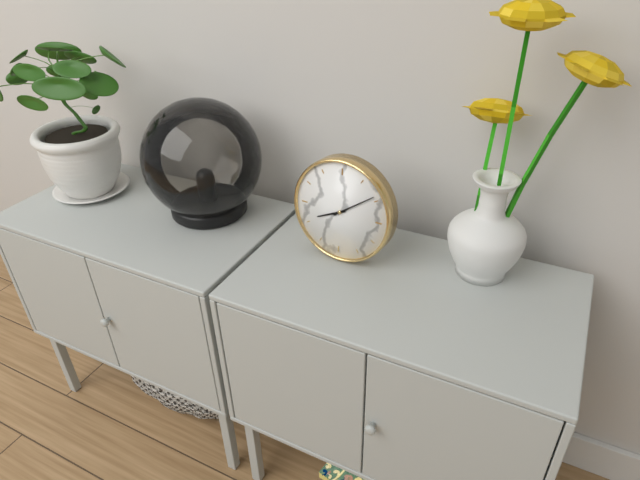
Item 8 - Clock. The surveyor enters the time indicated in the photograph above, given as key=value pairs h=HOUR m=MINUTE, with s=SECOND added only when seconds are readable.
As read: h=8 m=9
